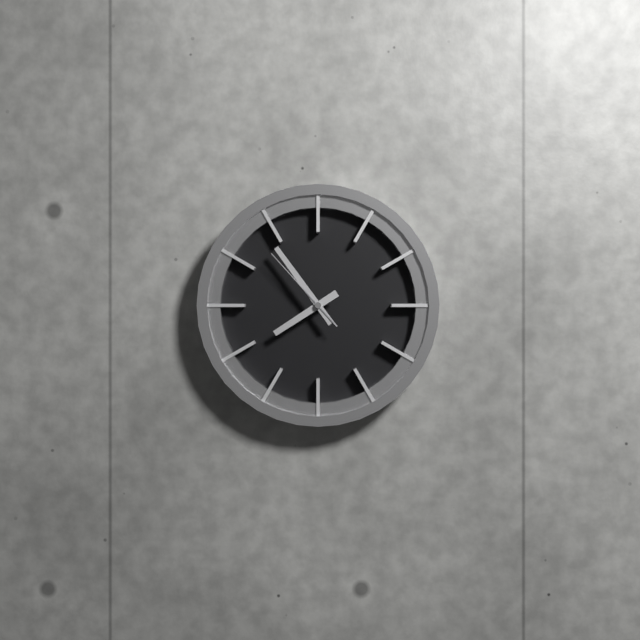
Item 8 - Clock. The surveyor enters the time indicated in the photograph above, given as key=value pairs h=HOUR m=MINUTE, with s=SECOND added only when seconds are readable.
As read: h=7 m=54 s=53
